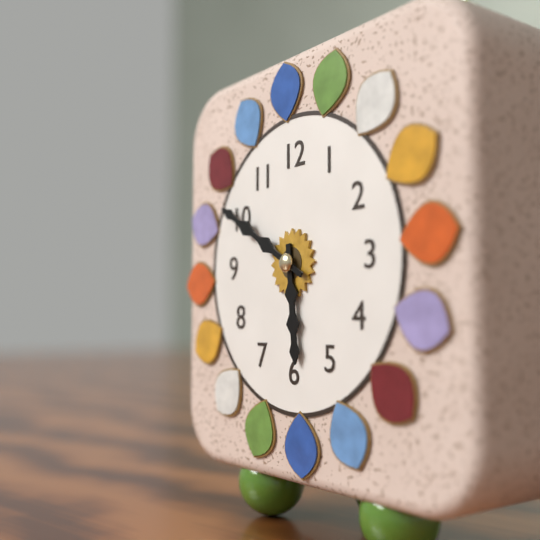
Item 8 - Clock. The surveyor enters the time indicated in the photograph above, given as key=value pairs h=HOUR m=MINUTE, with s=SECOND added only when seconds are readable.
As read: h=5 m=50
